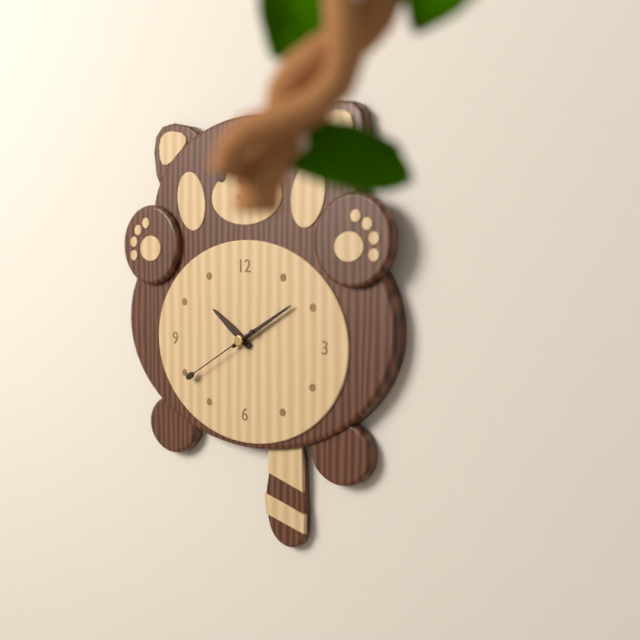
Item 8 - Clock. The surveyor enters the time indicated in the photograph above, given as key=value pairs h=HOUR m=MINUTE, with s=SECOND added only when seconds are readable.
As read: h=10 m=10 s=40
